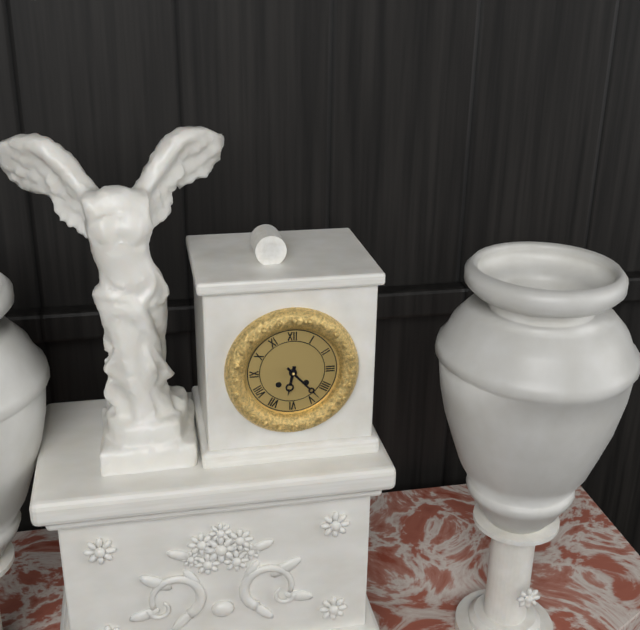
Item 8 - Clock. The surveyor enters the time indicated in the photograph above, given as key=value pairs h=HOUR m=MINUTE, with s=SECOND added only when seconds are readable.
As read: h=6 m=23
